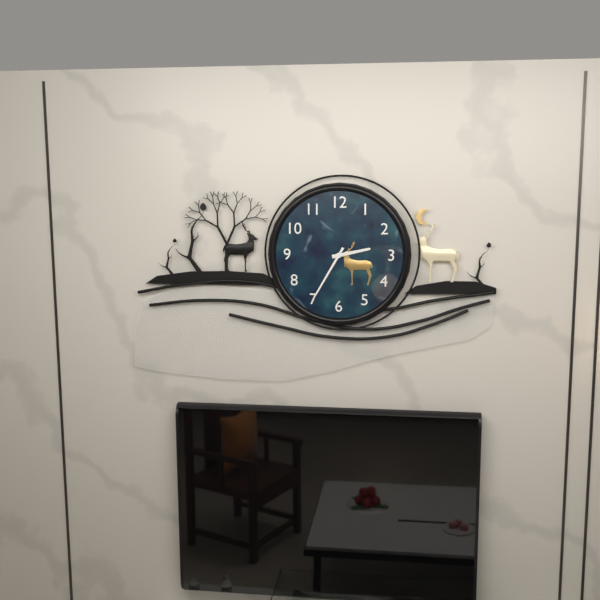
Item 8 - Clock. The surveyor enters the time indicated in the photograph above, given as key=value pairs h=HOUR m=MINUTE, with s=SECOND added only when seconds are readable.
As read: h=2 m=35
